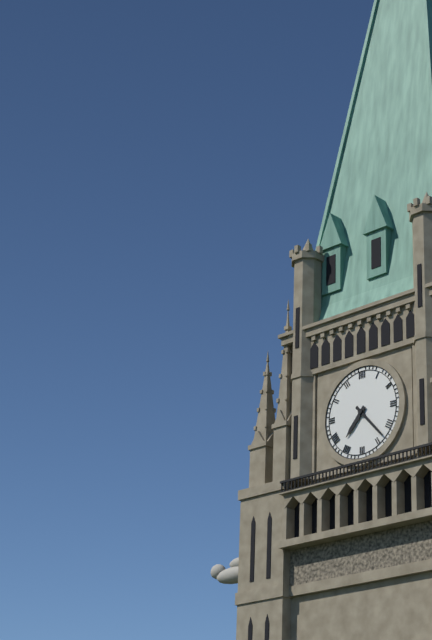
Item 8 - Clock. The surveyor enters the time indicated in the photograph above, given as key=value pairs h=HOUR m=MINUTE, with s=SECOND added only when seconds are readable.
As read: h=7 m=23
